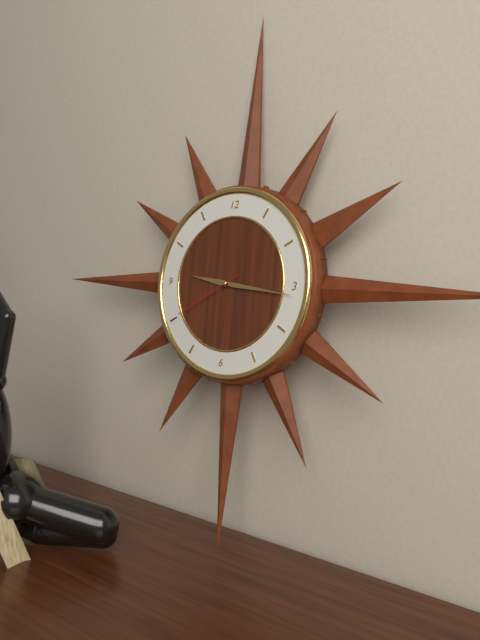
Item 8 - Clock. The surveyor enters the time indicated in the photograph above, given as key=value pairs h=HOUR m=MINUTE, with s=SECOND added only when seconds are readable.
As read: h=9 m=16 s=40
